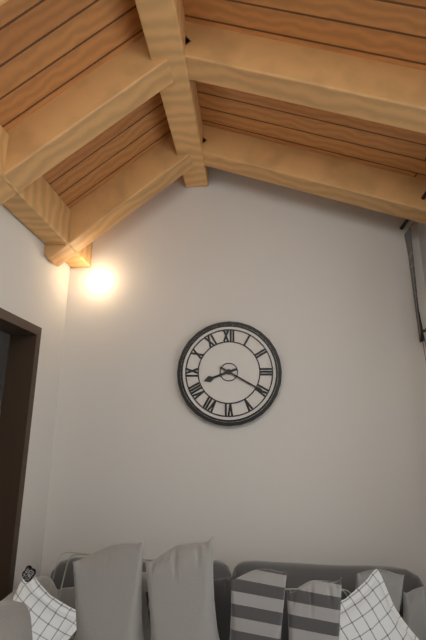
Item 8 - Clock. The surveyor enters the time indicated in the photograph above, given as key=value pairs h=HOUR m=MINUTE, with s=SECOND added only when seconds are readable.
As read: h=8 m=20
